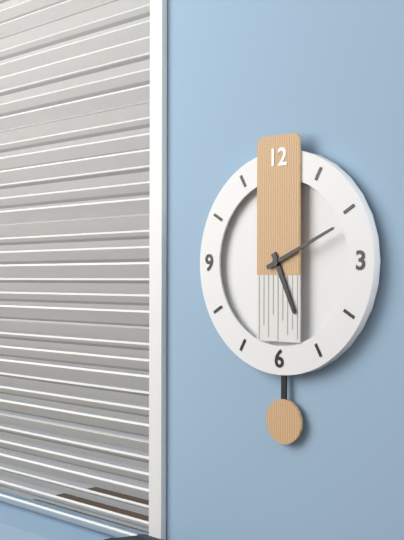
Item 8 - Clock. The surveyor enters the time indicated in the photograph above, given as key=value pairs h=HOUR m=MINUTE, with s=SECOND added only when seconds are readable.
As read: h=5 m=11
